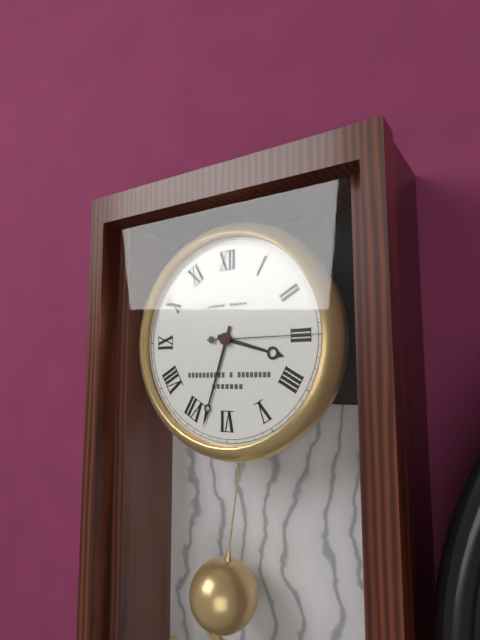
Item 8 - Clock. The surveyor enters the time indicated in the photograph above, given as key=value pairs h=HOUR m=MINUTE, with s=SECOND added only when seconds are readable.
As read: h=3 m=33 s=15
